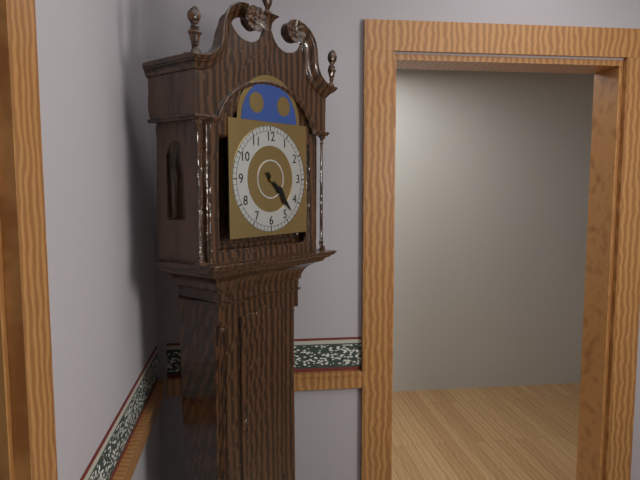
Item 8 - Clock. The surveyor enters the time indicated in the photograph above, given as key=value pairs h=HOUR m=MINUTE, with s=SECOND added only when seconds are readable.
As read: h=4 m=23
